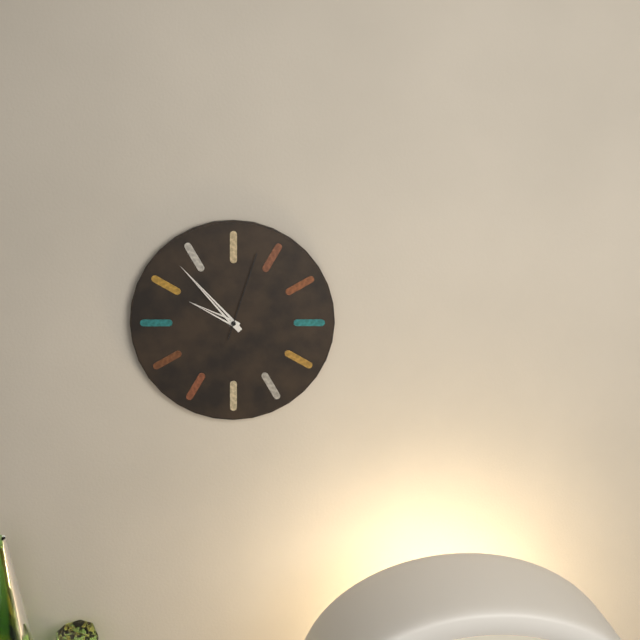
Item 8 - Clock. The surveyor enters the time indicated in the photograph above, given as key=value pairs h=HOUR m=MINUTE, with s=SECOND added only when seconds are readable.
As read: h=9 m=53 s=3
